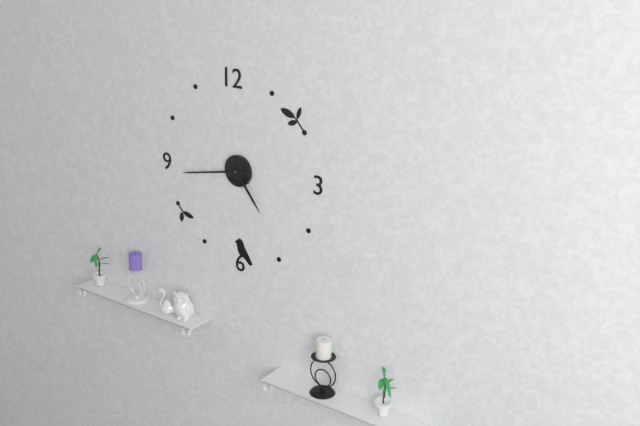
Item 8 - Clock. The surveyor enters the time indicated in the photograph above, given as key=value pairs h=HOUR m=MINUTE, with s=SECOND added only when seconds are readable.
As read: h=4 m=43
